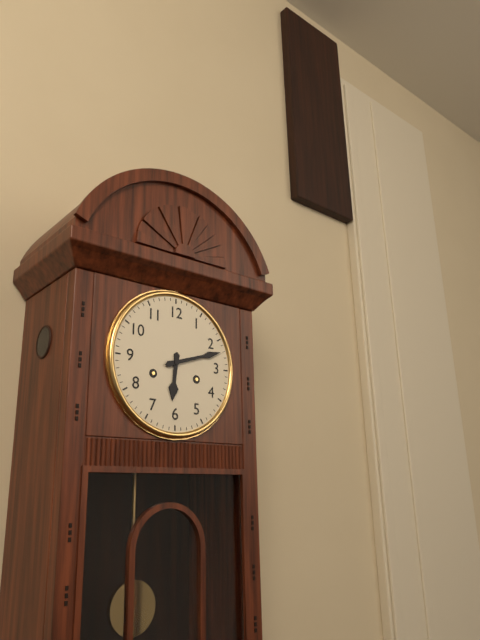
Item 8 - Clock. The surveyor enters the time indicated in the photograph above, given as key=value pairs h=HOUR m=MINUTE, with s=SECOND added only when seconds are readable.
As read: h=6 m=12
